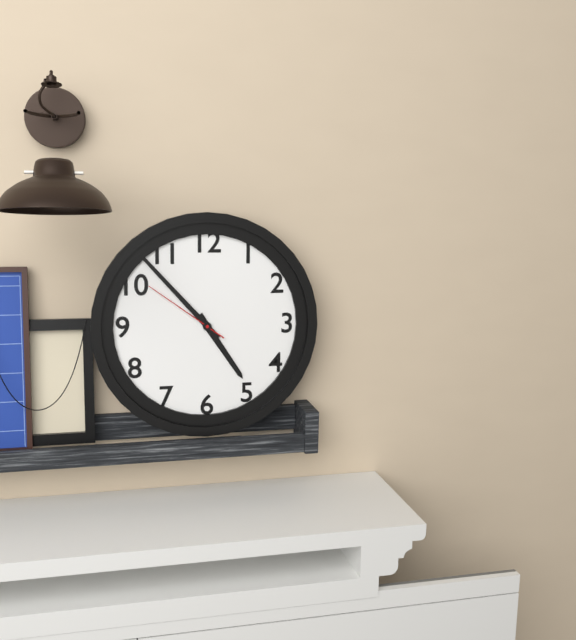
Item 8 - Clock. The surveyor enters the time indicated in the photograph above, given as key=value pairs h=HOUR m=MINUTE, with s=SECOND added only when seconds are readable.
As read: h=4 m=53 s=51
